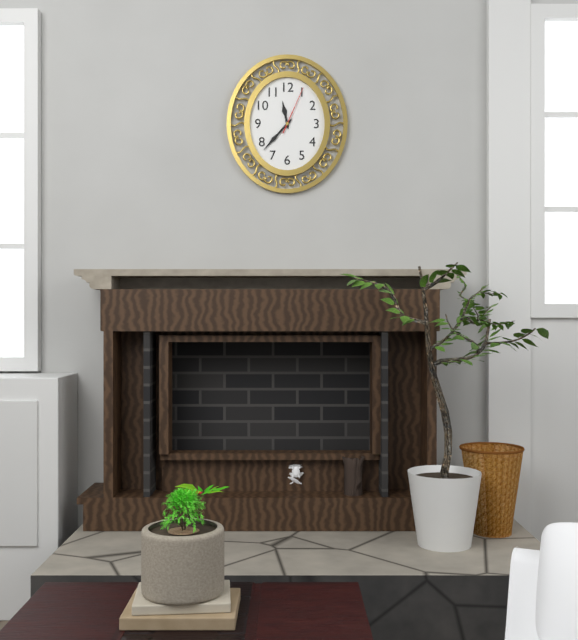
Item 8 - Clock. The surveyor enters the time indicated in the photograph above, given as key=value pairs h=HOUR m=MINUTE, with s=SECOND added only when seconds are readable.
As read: h=11 m=37 s=4
